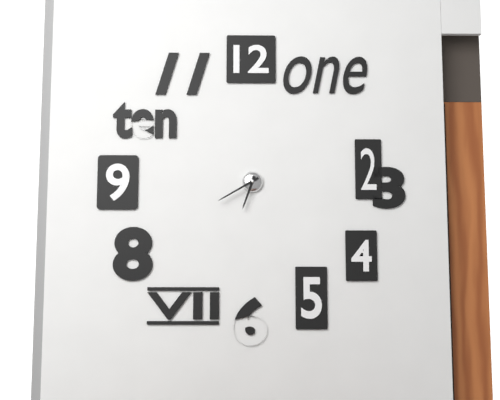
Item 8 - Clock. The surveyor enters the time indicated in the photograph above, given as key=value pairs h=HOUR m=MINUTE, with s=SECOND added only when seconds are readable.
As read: h=6 m=40
